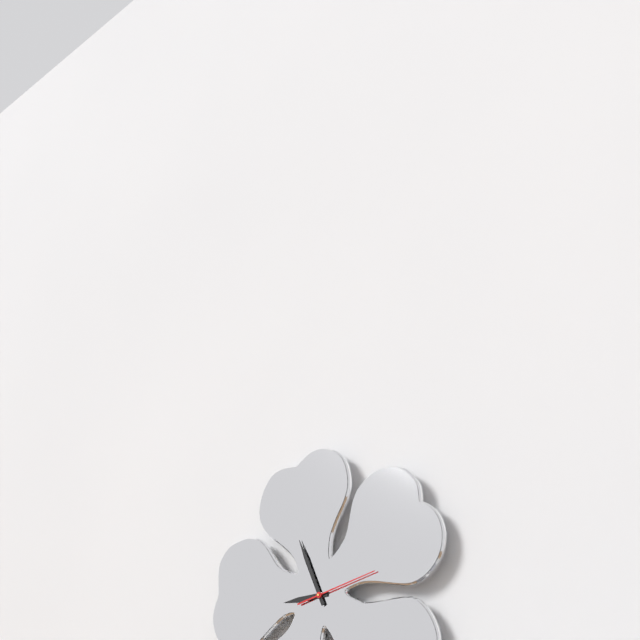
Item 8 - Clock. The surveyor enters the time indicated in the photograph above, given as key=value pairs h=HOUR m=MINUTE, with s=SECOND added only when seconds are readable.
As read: h=8 m=56 s=13
